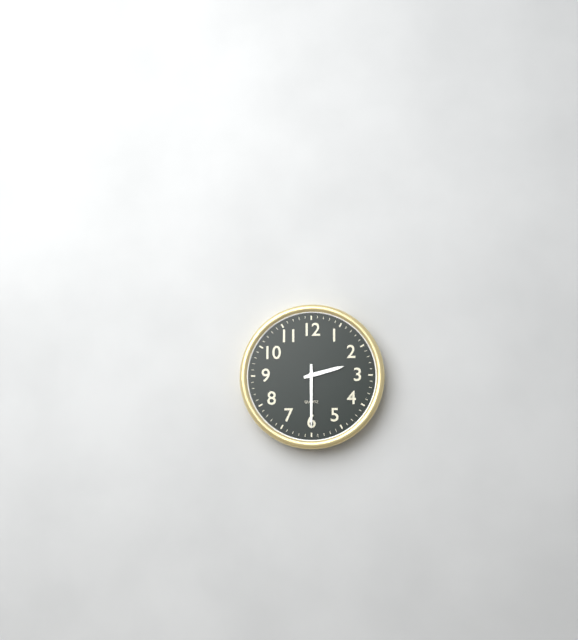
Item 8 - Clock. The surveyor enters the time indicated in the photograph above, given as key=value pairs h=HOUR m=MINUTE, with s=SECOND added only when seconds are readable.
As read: h=2 m=30
